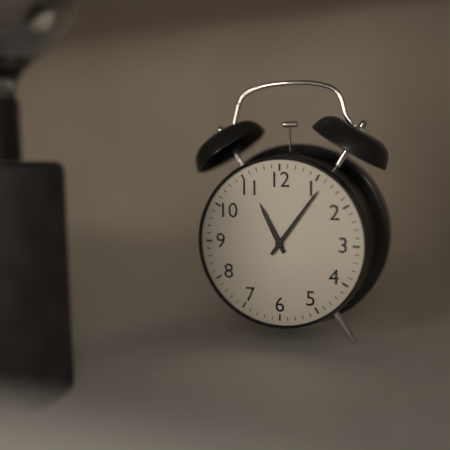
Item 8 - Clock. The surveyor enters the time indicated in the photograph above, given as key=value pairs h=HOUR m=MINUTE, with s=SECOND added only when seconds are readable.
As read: h=11 m=6
